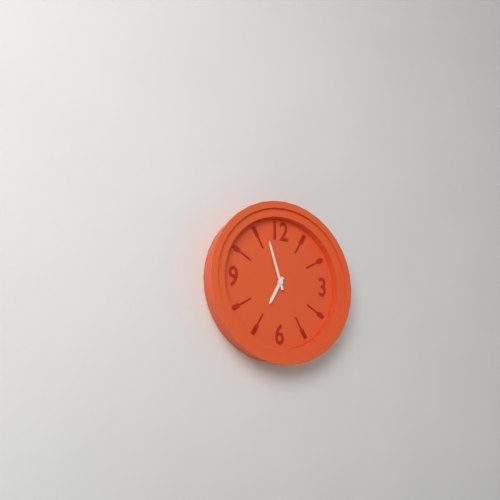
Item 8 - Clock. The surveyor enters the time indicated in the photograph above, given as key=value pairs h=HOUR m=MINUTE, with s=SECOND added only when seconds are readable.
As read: h=6 m=57
